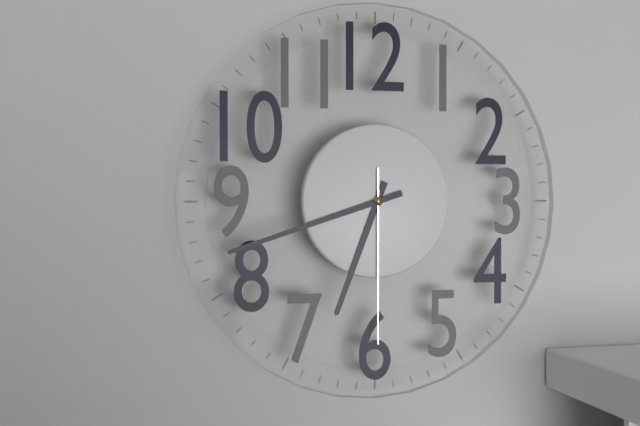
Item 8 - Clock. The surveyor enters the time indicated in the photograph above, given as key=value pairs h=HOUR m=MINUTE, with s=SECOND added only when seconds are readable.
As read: h=6 m=42 s=30
